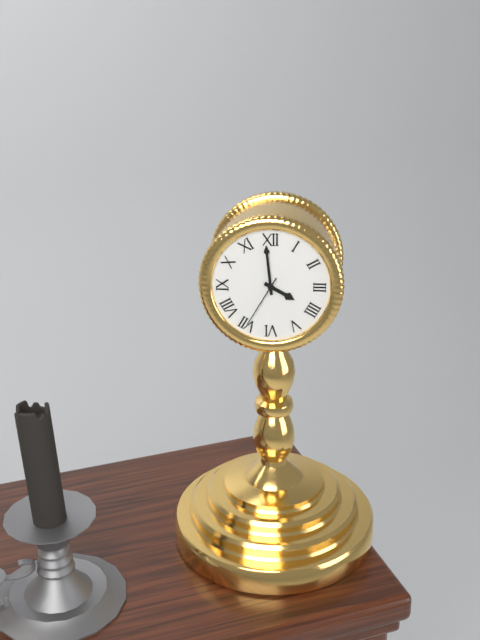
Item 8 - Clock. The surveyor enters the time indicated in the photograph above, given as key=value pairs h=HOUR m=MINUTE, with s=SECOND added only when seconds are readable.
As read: h=3 m=59 s=35
